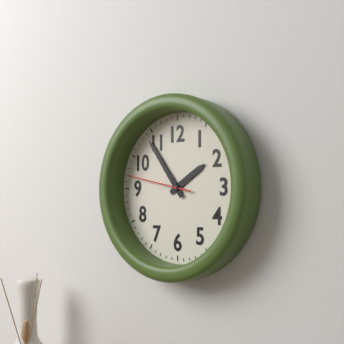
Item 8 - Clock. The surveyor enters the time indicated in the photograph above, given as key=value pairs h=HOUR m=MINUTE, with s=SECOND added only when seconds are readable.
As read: h=1 m=54 s=47
